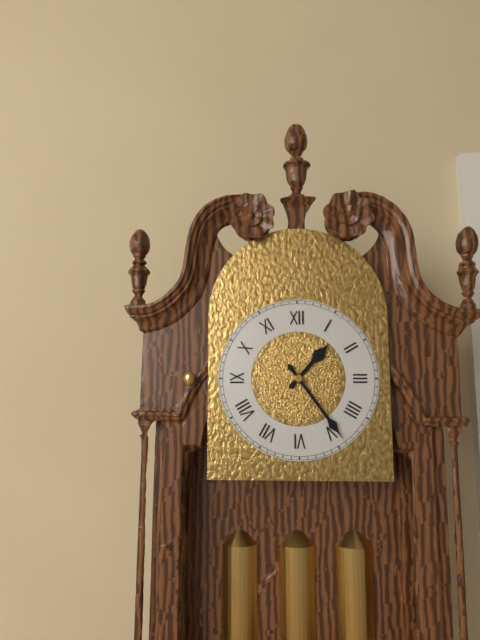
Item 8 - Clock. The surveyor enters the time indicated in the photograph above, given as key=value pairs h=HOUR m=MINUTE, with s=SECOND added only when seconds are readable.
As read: h=1 m=24
